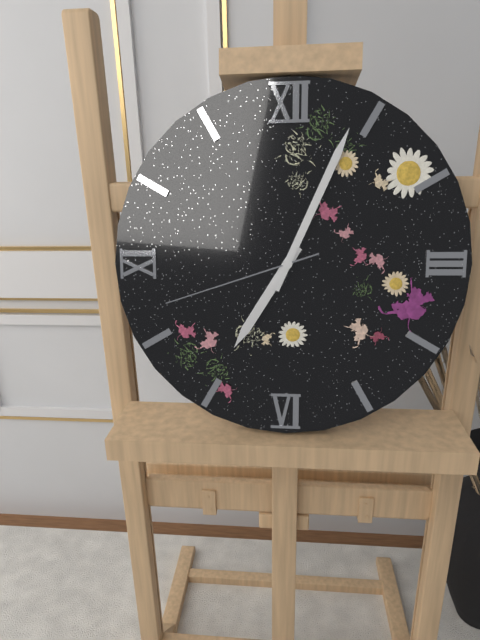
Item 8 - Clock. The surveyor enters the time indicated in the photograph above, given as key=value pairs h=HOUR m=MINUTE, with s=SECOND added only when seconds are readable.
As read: h=7 m=4 s=42
